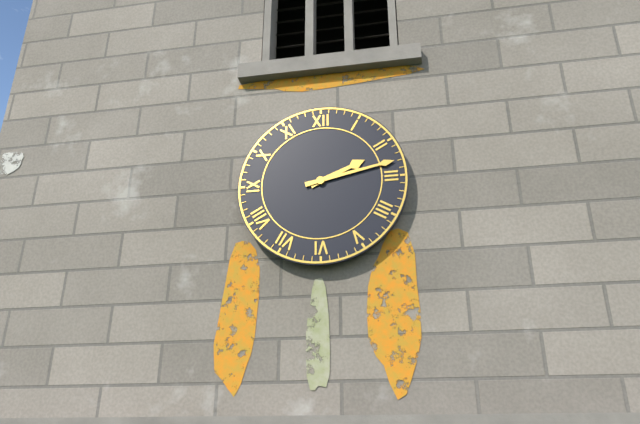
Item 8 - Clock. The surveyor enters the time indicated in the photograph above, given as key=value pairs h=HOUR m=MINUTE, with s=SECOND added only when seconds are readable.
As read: h=2 m=13
